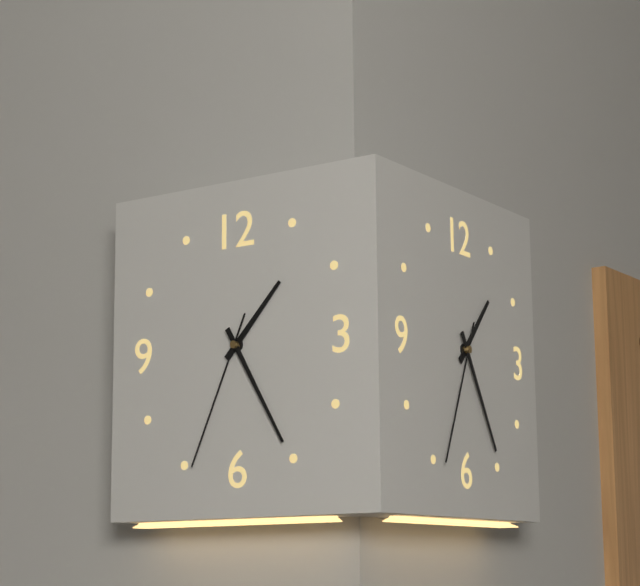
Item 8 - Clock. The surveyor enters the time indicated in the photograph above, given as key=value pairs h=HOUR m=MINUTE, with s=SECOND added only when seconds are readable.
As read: h=1 m=25 s=34
